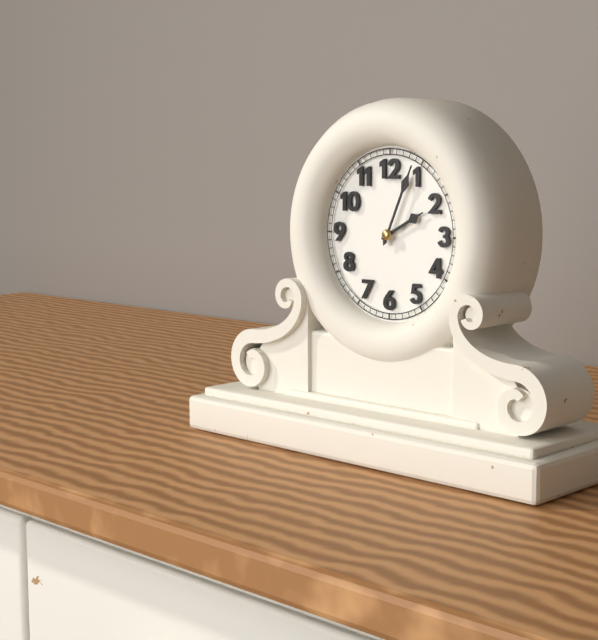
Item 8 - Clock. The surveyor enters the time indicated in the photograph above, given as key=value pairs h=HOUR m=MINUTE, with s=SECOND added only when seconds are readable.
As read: h=2 m=4
